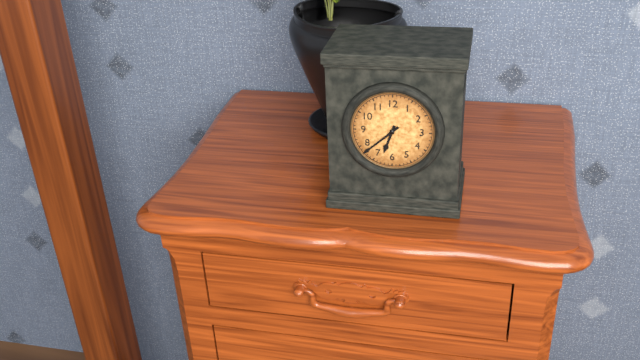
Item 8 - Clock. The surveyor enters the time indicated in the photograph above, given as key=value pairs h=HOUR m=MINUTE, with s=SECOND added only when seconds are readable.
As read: h=6 m=38
